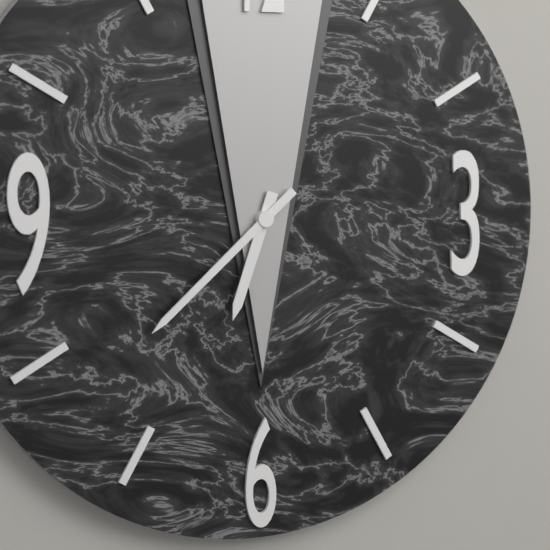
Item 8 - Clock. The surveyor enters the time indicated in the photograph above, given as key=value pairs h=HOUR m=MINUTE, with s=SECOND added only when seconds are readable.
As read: h=6 m=38
